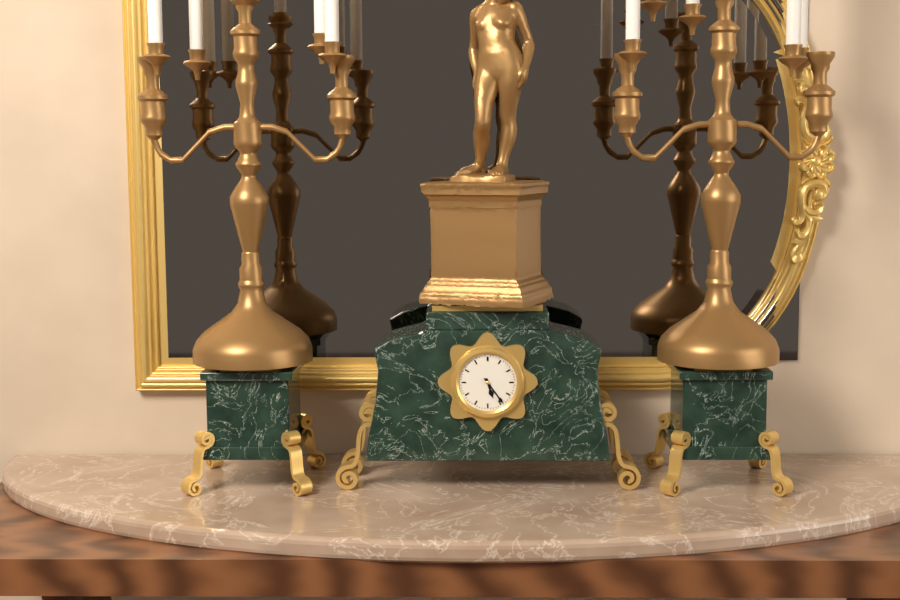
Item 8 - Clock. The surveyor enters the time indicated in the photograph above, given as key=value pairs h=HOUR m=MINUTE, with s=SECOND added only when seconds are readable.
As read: h=5 m=24
